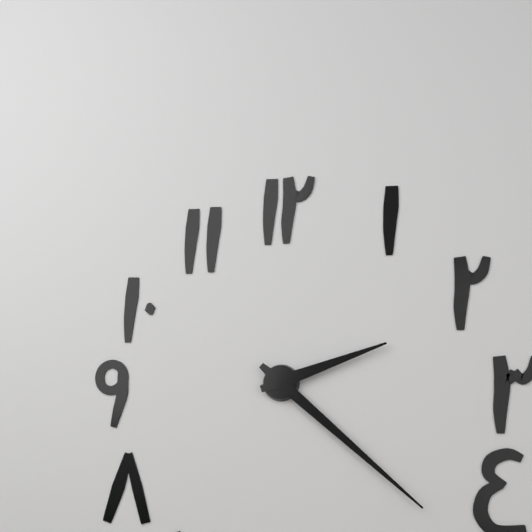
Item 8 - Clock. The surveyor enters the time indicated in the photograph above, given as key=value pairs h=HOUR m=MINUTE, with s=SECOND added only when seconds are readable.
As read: h=2 m=22
